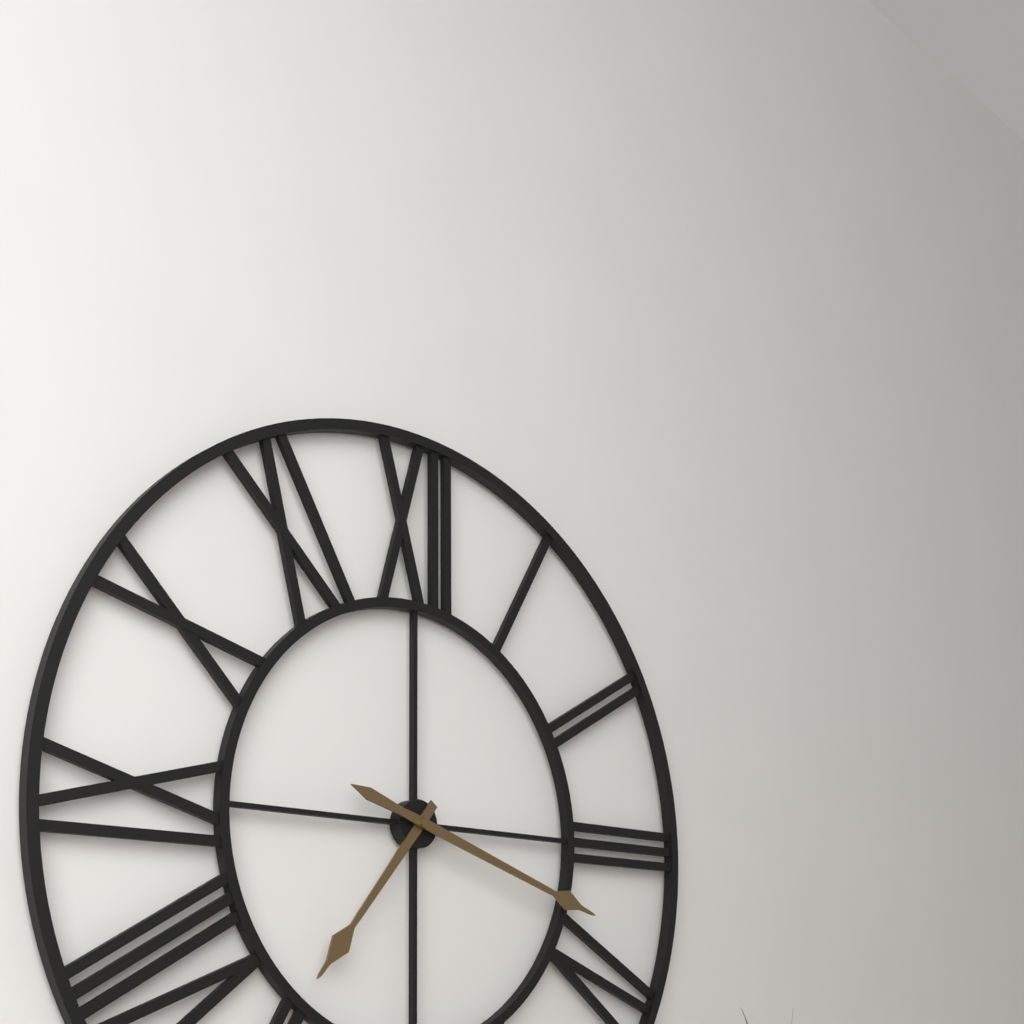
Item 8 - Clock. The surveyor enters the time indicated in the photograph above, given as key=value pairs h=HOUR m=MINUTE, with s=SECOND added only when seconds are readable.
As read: h=7 m=18
